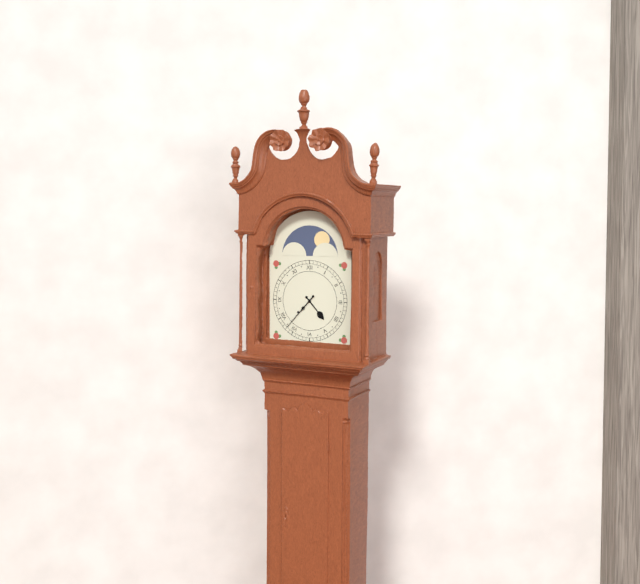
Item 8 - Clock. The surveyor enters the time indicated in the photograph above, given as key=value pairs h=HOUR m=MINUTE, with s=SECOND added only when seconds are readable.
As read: h=4 m=37
